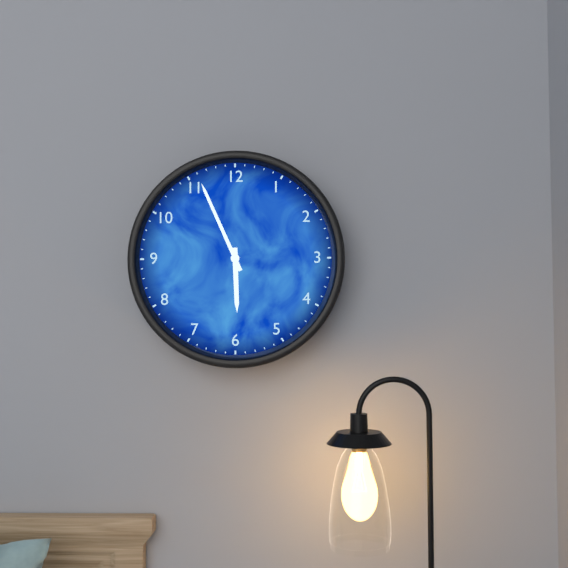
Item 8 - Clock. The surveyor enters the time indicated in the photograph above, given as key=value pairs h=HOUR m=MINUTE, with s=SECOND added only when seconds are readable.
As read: h=5 m=56
